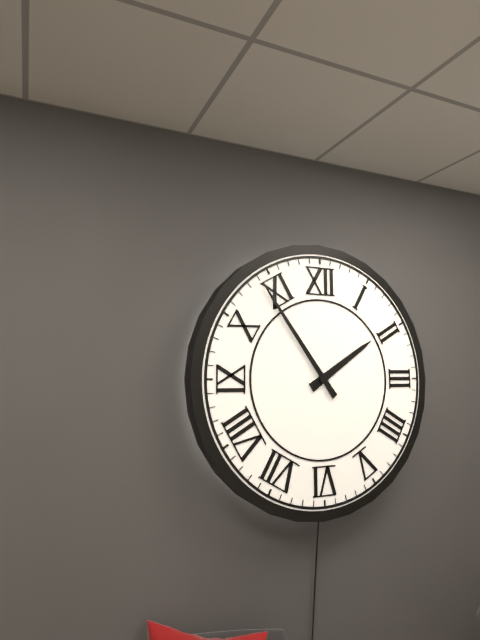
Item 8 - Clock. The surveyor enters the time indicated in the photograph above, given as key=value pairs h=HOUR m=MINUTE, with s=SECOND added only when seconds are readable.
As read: h=1 m=54
